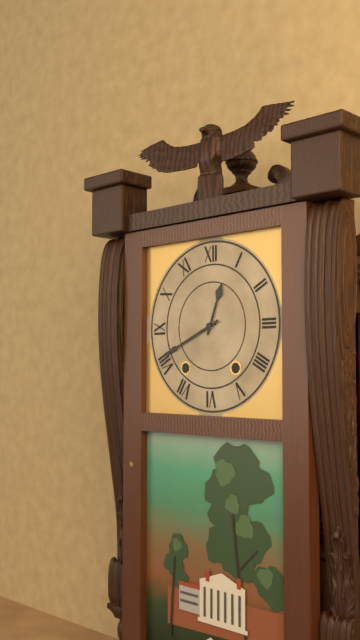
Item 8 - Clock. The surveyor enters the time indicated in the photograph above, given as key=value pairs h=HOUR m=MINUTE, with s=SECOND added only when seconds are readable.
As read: h=12 m=41
